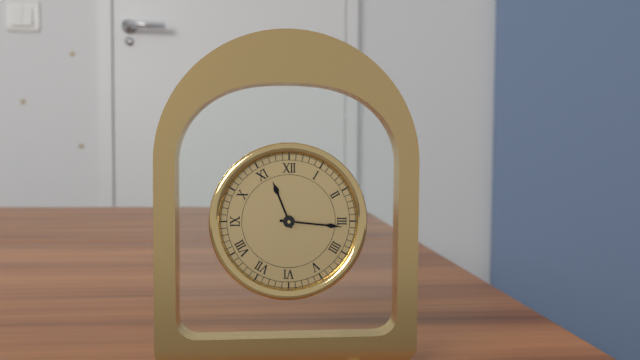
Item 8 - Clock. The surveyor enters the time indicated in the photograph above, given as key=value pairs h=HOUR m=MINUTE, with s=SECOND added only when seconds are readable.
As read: h=11 m=16
